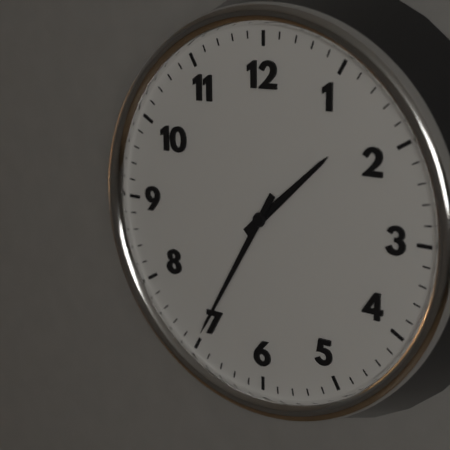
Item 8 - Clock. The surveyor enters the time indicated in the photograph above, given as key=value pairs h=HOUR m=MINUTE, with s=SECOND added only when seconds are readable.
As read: h=1 m=35
